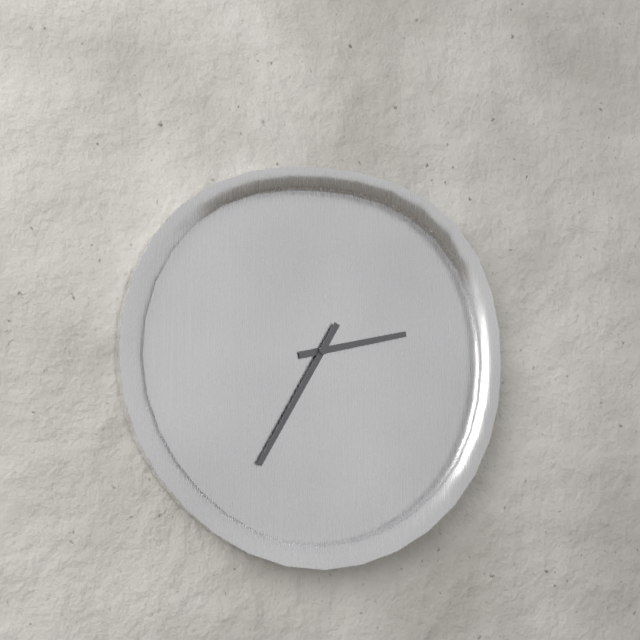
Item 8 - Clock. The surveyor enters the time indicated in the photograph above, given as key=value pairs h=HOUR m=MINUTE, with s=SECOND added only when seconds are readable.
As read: h=2 m=35
